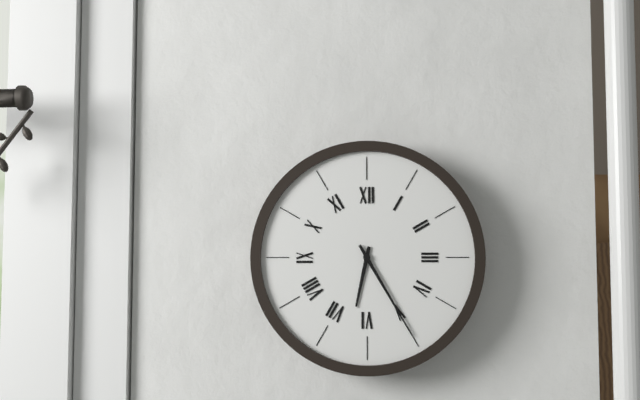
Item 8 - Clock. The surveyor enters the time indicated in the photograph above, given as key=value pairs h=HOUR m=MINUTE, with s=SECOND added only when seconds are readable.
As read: h=6 m=25
